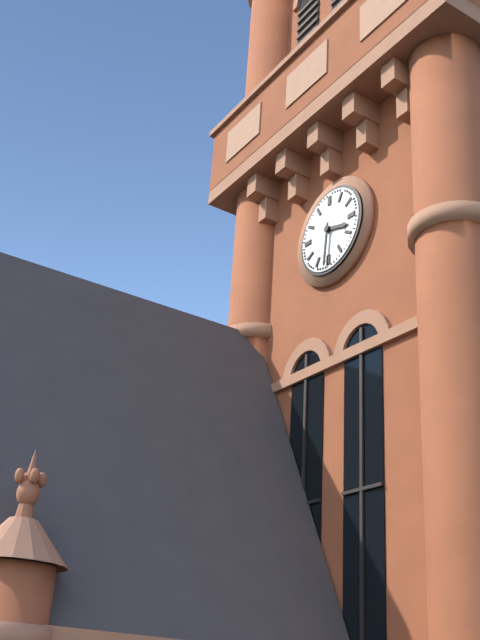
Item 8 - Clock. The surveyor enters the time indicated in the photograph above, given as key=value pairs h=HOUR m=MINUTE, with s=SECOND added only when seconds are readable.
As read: h=3 m=31
